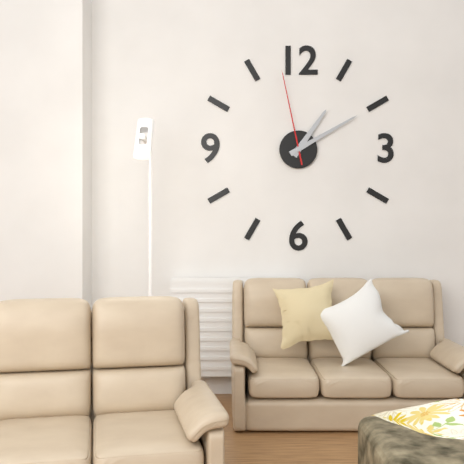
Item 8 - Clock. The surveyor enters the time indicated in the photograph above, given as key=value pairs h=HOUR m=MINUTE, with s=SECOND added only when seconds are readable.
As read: h=1 m=10 s=58
